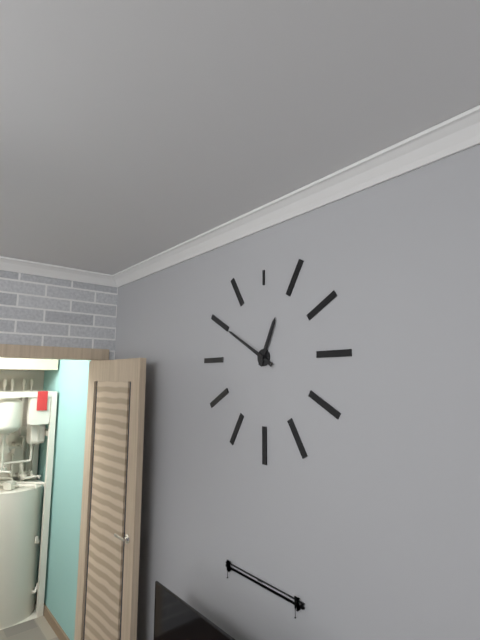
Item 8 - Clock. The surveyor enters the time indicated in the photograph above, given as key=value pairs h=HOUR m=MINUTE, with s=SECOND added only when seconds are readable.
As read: h=12 m=50
